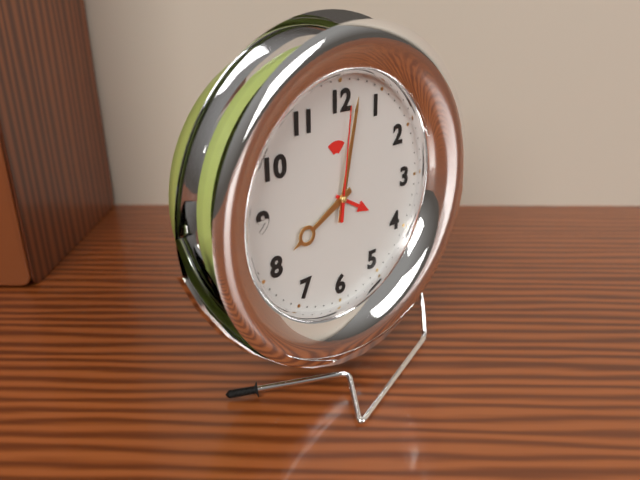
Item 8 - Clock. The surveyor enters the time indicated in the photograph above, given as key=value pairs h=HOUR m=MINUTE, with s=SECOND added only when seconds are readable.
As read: h=8 m=2 s=1
